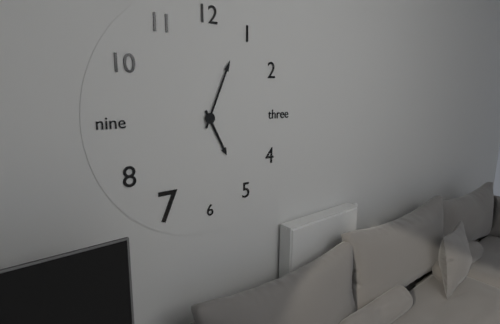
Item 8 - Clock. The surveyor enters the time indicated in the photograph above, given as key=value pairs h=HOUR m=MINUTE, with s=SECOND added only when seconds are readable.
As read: h=5 m=4
